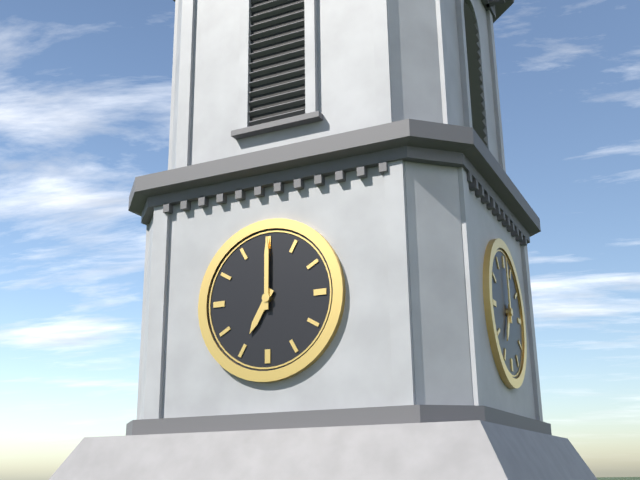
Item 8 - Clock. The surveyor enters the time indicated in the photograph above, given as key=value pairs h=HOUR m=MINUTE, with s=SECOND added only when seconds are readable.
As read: h=7 m=0
